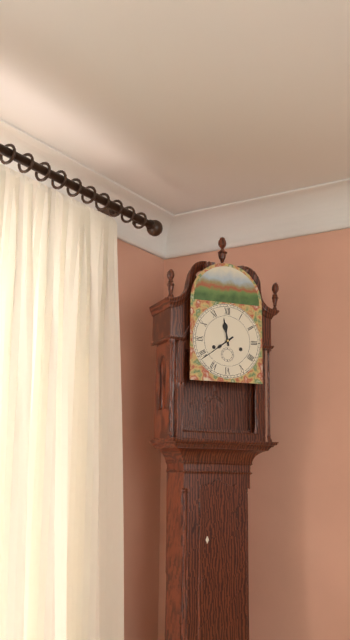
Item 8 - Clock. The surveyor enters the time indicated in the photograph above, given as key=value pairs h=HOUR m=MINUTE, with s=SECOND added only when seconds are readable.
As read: h=11 m=39
